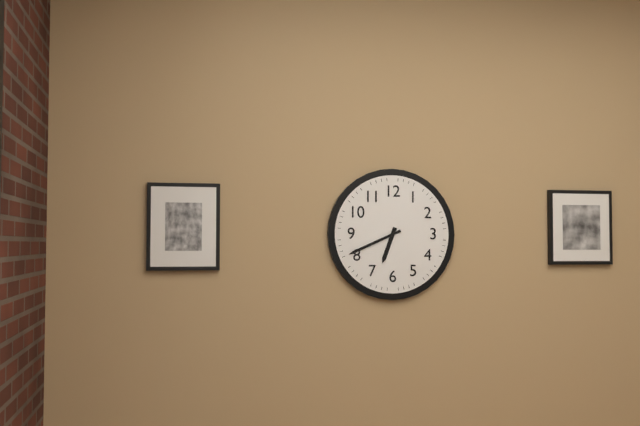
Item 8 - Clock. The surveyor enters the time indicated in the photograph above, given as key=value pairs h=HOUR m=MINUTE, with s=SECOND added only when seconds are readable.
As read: h=6 m=41
